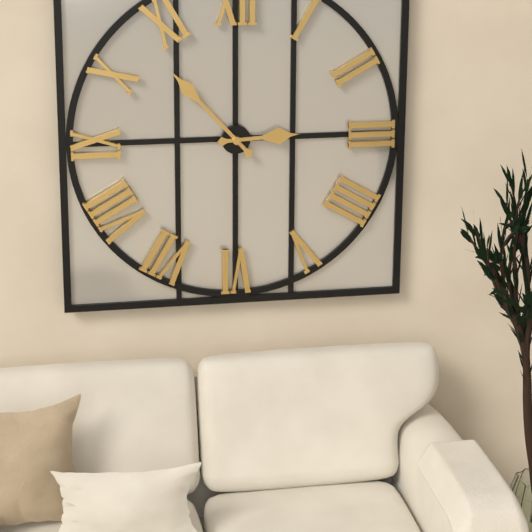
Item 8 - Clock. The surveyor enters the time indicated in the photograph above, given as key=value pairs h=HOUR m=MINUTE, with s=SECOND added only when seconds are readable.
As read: h=2 m=53
